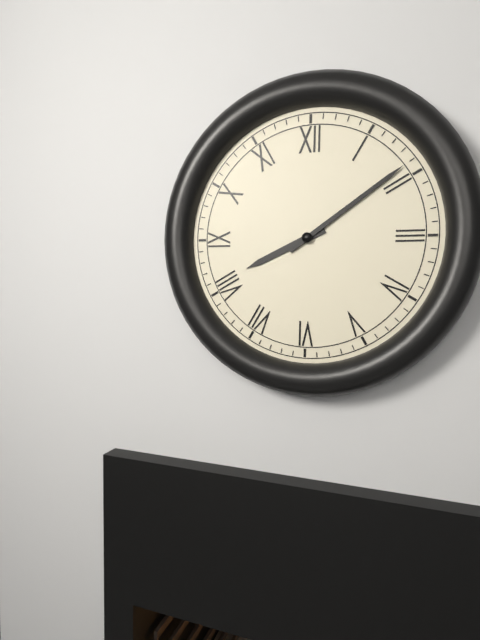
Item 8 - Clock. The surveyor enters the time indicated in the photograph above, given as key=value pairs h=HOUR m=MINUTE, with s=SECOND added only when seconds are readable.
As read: h=8 m=9
